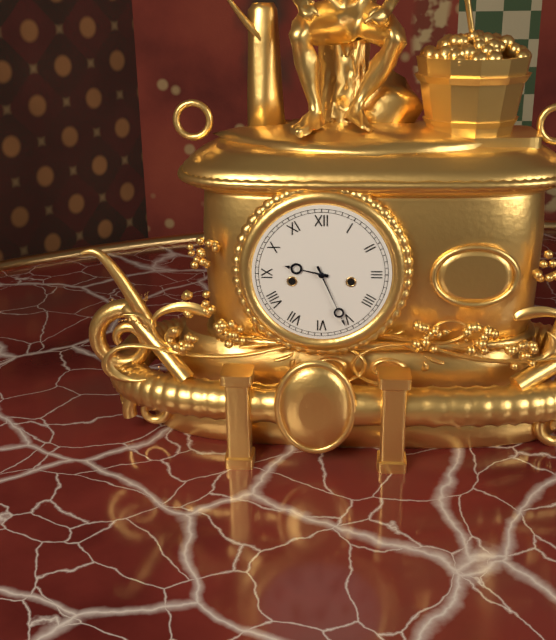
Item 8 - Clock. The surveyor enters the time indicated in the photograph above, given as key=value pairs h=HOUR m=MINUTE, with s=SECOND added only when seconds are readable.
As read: h=9 m=26
